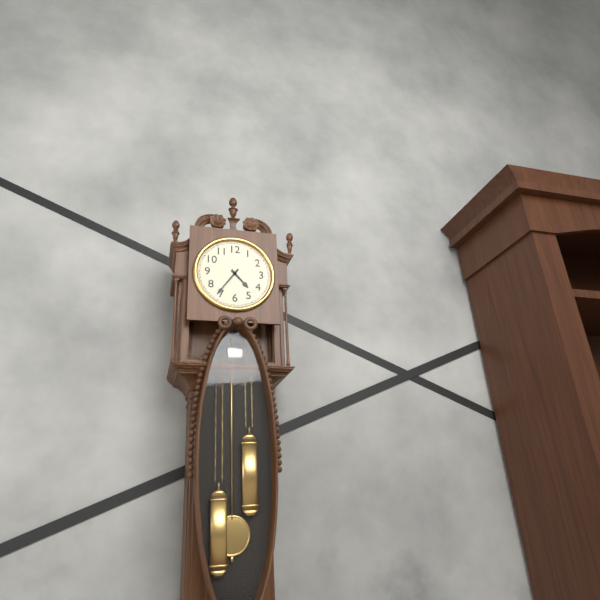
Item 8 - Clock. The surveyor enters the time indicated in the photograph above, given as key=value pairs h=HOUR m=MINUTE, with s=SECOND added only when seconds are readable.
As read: h=4 m=36
